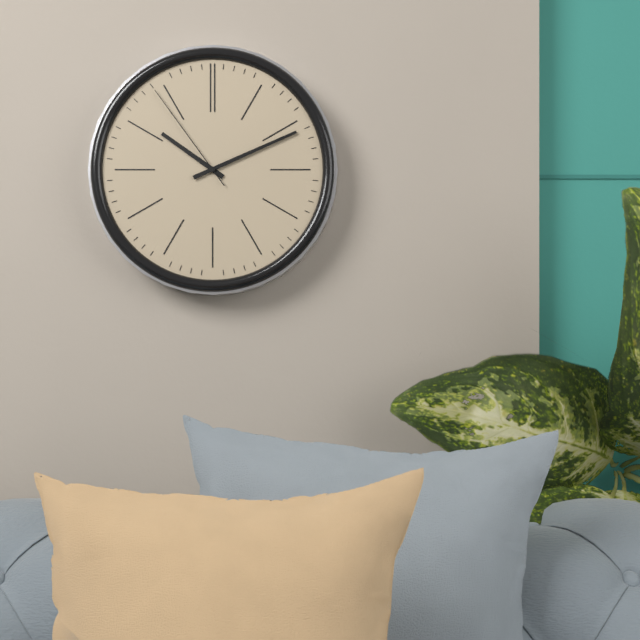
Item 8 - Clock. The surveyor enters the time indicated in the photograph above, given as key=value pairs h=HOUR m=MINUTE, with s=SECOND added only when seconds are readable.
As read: h=10 m=11 s=54
